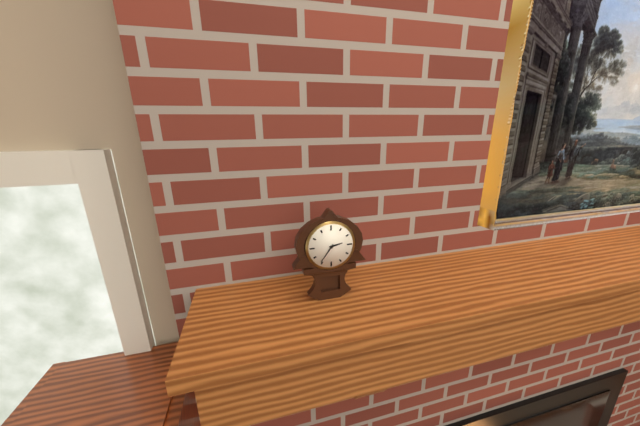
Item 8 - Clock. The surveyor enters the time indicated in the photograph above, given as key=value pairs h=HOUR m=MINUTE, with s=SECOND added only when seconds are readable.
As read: h=2 m=36
